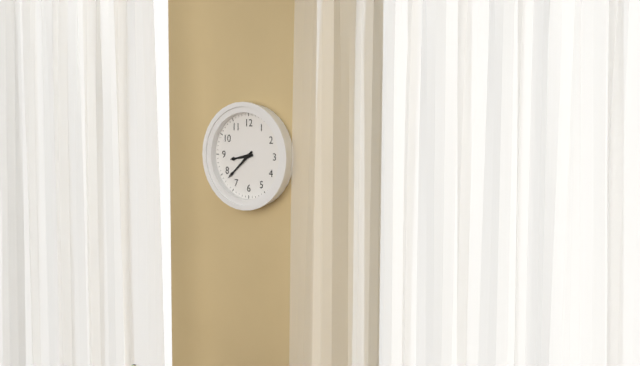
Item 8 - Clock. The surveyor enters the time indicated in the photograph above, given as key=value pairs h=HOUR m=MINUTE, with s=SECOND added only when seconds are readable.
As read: h=8 m=38
